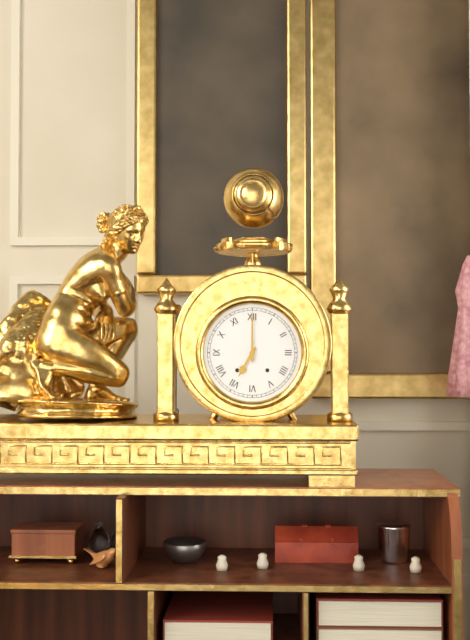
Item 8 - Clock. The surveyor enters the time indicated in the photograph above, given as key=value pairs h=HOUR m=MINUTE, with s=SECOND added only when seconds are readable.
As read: h=7 m=0
